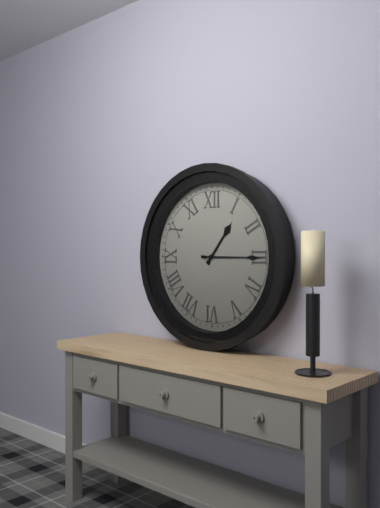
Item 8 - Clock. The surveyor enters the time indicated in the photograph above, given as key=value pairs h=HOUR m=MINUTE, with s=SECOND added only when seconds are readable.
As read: h=1 m=15
